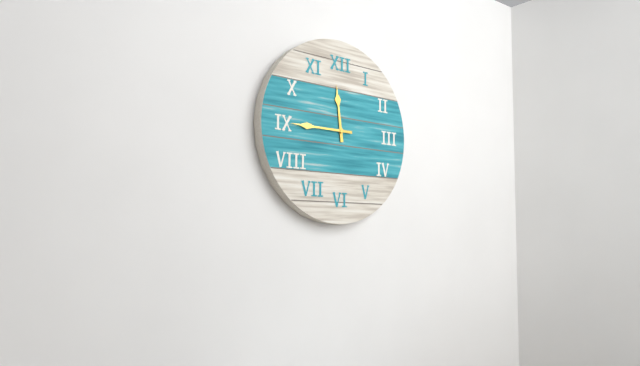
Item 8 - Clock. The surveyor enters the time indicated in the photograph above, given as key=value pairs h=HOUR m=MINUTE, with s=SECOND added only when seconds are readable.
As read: h=11 m=45
